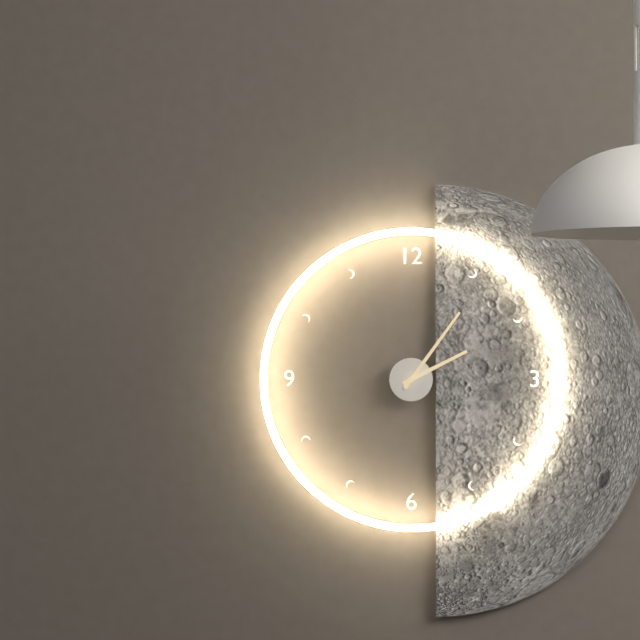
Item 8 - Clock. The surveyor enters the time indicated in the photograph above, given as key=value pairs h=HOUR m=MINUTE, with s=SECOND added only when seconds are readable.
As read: h=2 m=6
